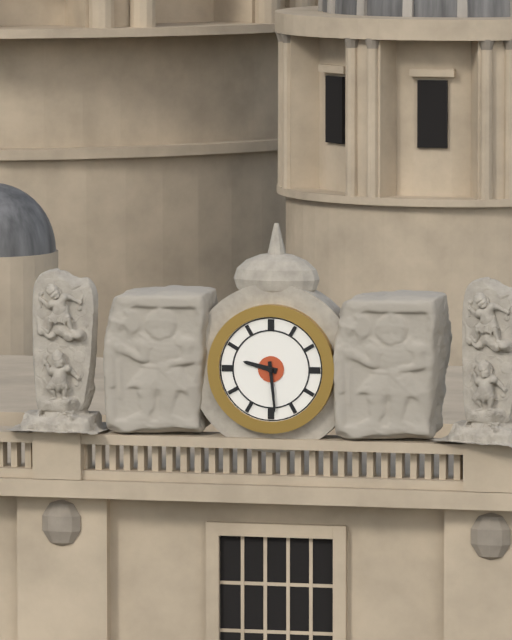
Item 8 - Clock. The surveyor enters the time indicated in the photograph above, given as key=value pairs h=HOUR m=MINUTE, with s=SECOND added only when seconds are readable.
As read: h=9 m=29
